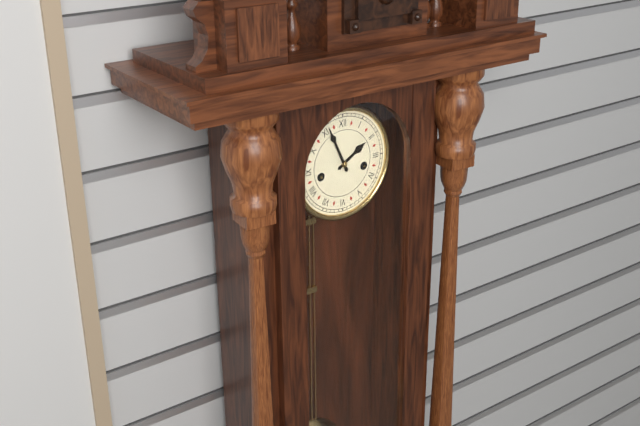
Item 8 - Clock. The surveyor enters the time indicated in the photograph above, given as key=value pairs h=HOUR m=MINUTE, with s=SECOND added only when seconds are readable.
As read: h=1 m=56
